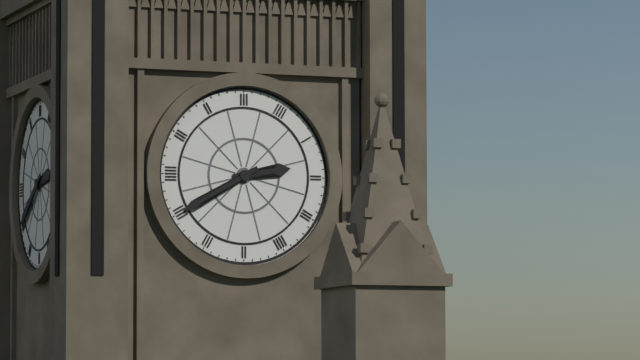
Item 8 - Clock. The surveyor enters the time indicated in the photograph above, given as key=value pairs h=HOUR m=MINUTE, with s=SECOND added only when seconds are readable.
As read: h=2 m=40
